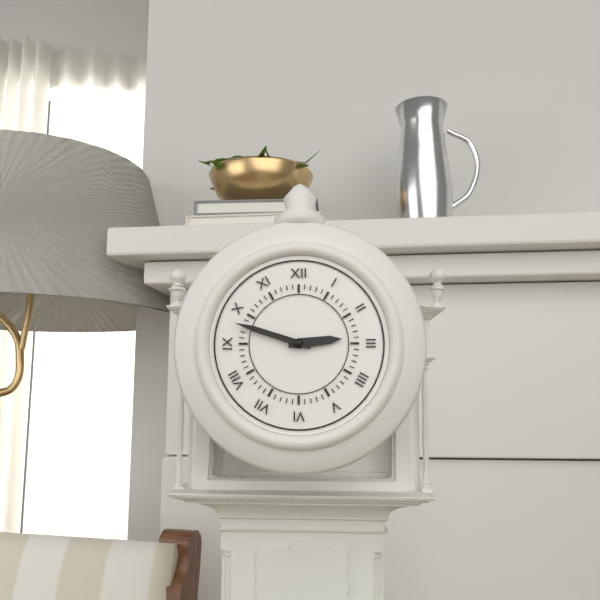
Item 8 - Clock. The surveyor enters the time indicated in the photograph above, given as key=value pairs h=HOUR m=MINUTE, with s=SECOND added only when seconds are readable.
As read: h=2 m=48
